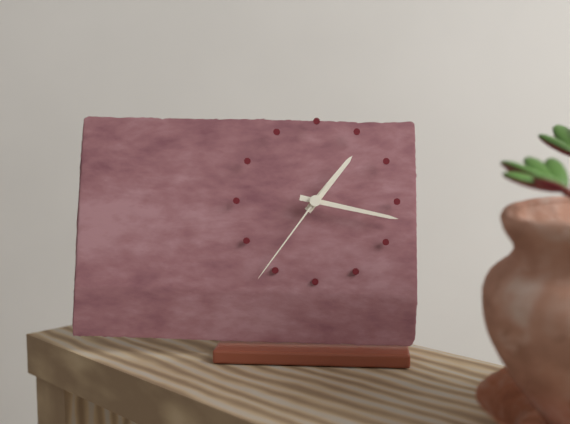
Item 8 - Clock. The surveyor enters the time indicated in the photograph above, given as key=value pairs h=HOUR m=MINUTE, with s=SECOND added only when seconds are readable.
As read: h=1 m=17 s=36
